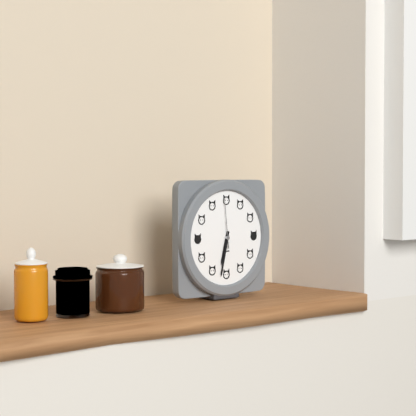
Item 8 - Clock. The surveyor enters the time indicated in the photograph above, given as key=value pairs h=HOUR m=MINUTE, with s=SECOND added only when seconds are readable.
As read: h=6 m=32 s=59
